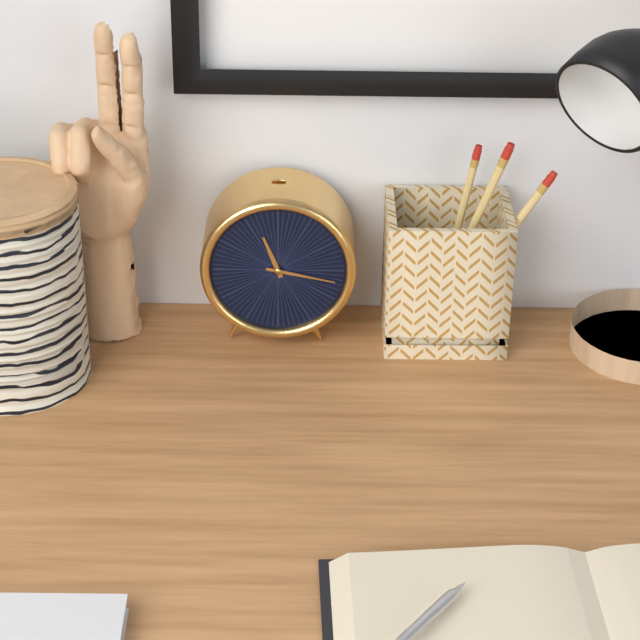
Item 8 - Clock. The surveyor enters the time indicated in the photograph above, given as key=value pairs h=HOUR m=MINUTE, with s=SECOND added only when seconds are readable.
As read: h=11 m=17
